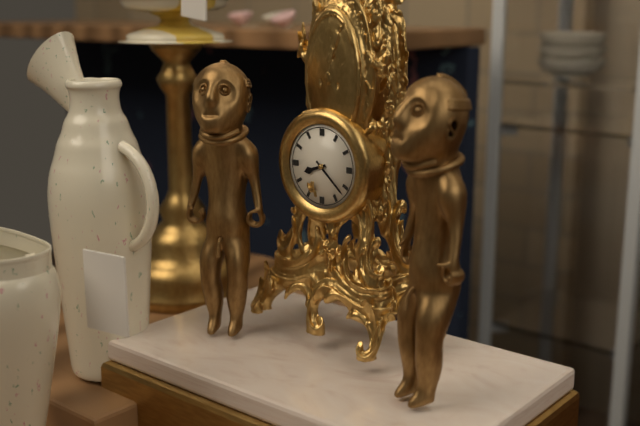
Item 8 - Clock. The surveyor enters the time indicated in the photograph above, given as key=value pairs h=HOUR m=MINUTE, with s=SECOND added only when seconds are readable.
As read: h=8 m=22
